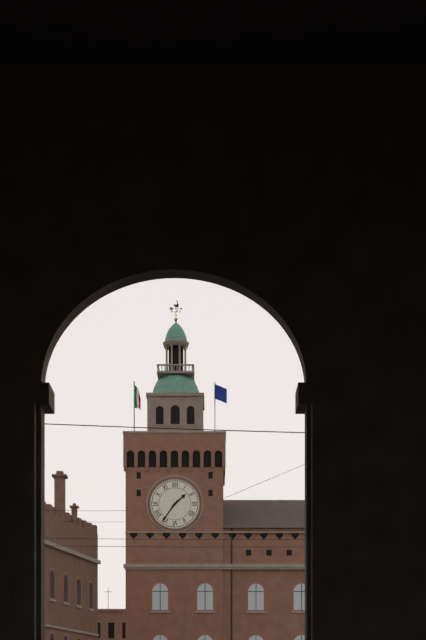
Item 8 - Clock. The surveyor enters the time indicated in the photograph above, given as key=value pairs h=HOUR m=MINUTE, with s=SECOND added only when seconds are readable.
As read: h=1 m=36
